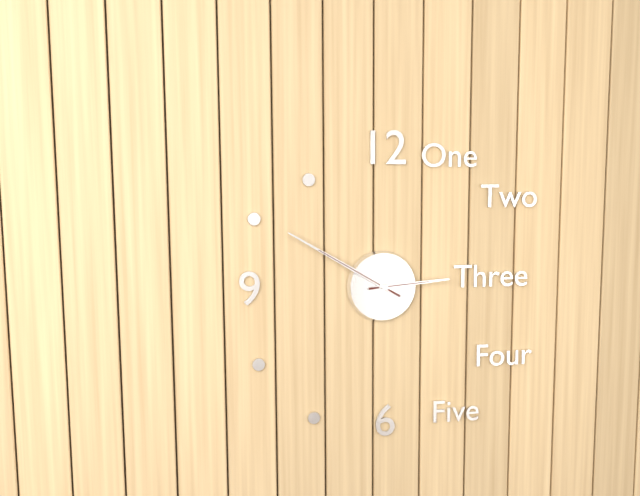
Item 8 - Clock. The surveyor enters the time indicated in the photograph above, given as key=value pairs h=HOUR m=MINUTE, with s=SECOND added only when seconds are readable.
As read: h=2 m=50
